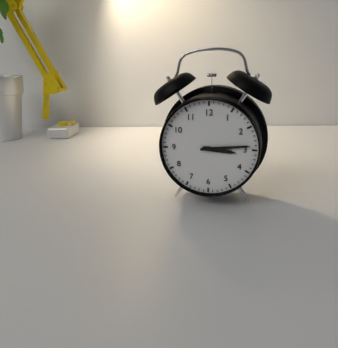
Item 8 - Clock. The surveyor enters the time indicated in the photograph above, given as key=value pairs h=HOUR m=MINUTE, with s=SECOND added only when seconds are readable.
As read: h=3 m=14
